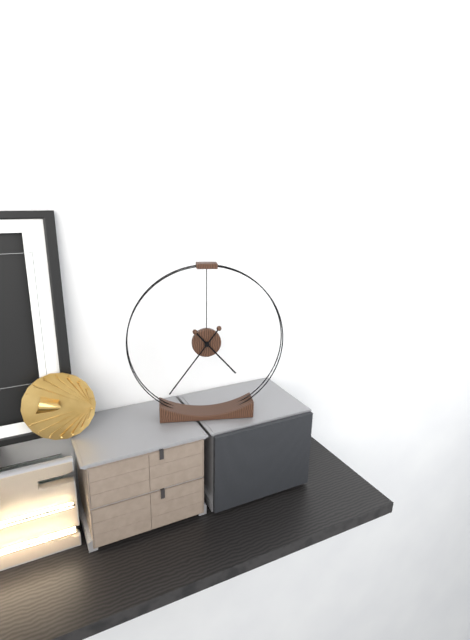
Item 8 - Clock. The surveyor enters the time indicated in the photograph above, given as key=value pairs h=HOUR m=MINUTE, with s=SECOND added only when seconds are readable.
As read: h=4 m=36
